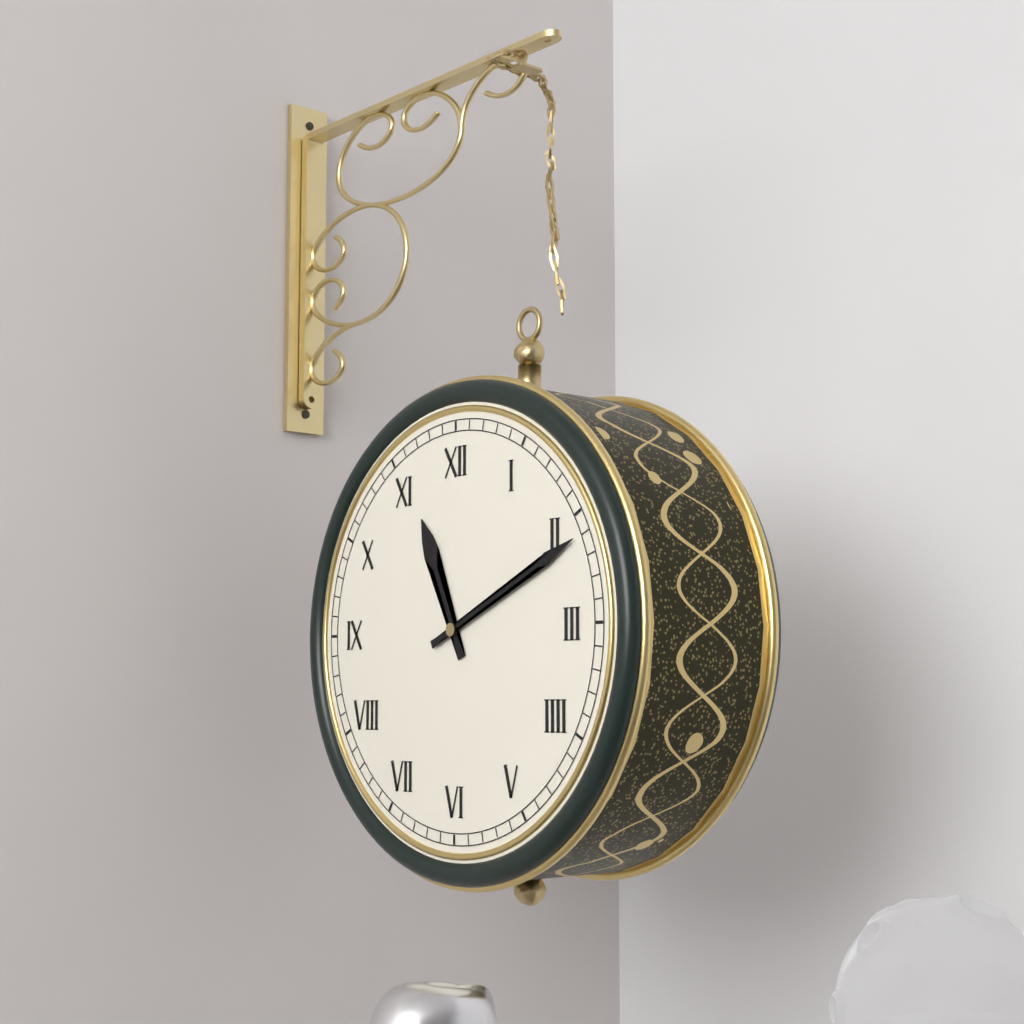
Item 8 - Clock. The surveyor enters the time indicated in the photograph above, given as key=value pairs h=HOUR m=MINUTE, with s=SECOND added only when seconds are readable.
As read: h=11 m=11
